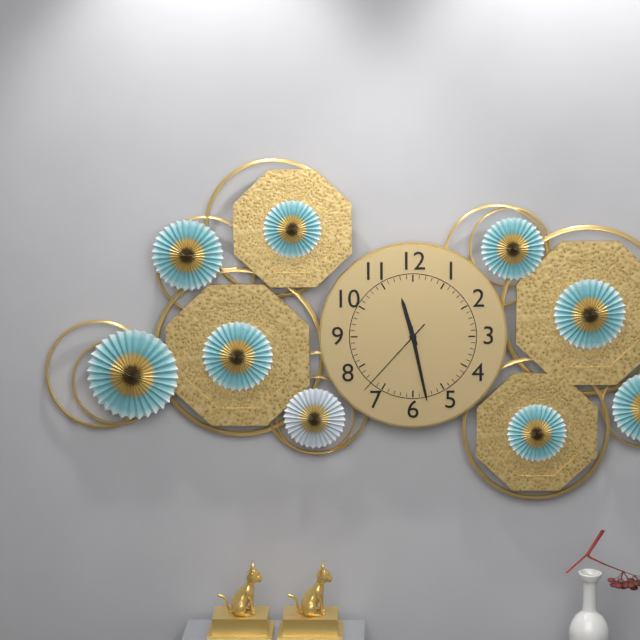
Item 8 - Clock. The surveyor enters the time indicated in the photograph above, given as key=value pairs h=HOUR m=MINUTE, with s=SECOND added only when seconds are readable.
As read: h=11 m=28 s=37
